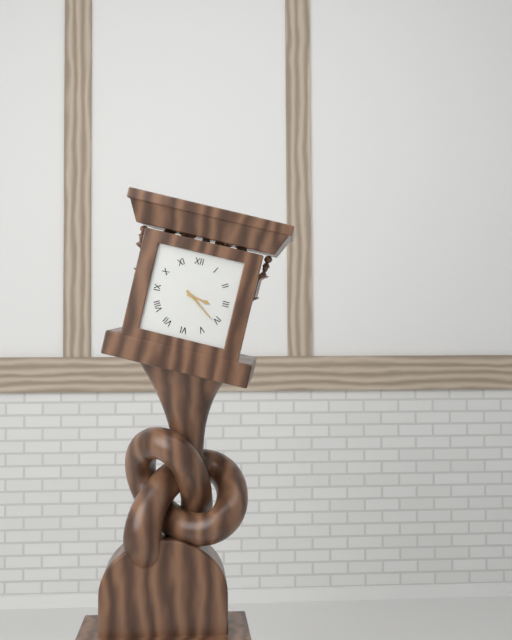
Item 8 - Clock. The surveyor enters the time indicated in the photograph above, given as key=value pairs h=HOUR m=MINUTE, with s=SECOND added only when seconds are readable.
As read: h=3 m=21
